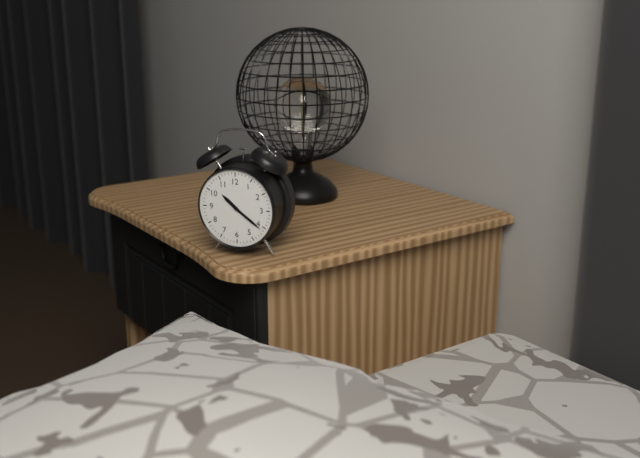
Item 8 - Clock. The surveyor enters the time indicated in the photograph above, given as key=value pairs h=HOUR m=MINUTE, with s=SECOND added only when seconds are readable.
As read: h=10 m=21
